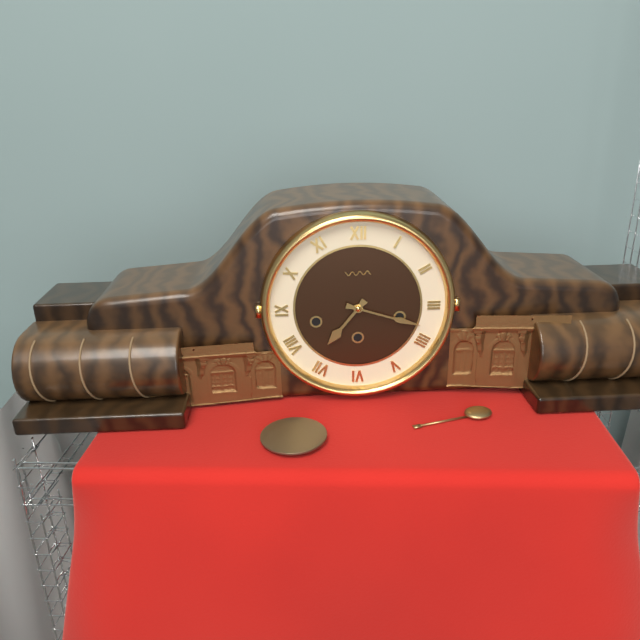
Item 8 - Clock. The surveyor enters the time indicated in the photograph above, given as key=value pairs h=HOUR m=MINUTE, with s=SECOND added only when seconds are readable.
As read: h=7 m=18
